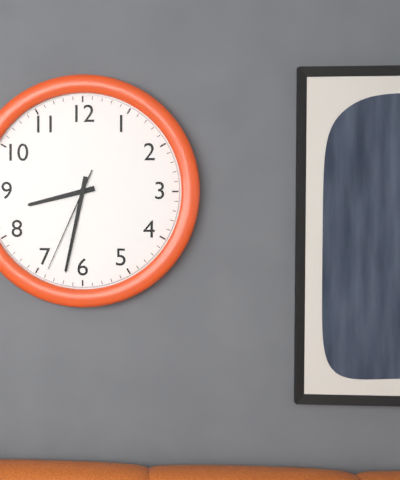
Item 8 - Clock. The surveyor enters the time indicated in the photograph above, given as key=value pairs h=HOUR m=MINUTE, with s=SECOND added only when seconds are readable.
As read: h=8 m=32 s=34
